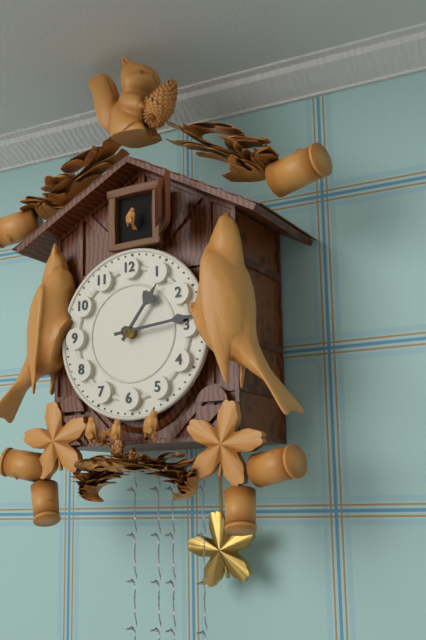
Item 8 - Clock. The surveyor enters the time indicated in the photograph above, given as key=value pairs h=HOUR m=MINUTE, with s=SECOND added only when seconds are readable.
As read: h=1 m=14
